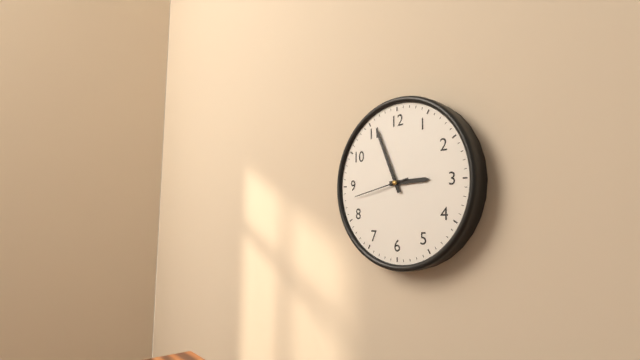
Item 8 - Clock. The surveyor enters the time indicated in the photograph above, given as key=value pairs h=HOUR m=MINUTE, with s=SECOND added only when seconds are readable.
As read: h=2 m=56 s=43
